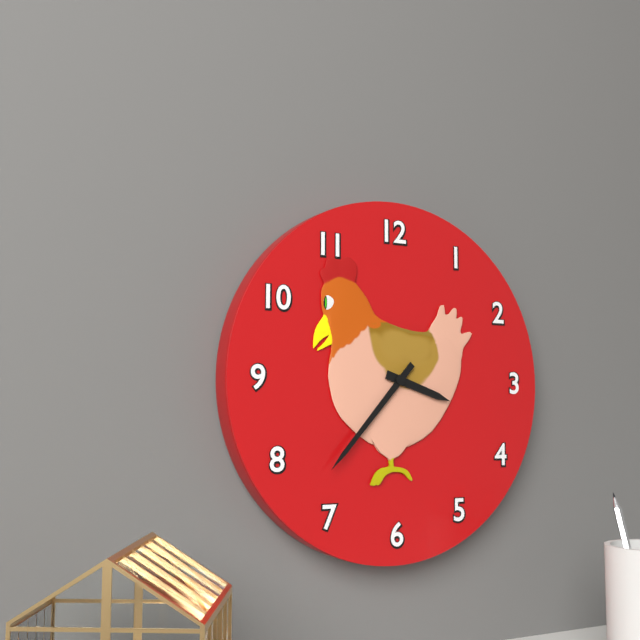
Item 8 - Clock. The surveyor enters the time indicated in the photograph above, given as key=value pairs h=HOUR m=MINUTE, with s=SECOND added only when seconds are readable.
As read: h=3 m=37
